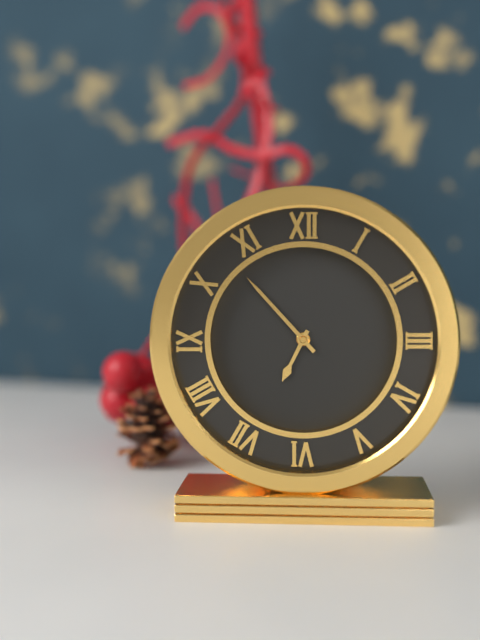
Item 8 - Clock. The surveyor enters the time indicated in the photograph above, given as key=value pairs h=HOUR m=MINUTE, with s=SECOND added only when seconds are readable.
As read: h=6 m=53
